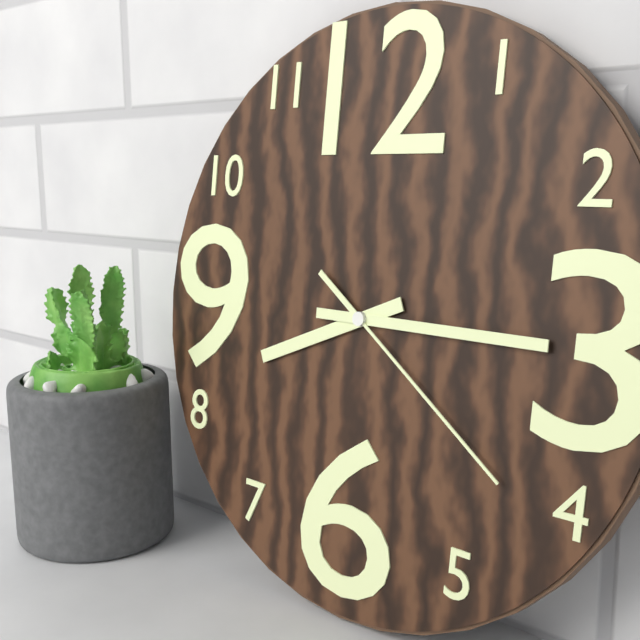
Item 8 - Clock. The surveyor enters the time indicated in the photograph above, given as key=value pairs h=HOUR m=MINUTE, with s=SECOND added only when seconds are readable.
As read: h=8 m=15 s=21
